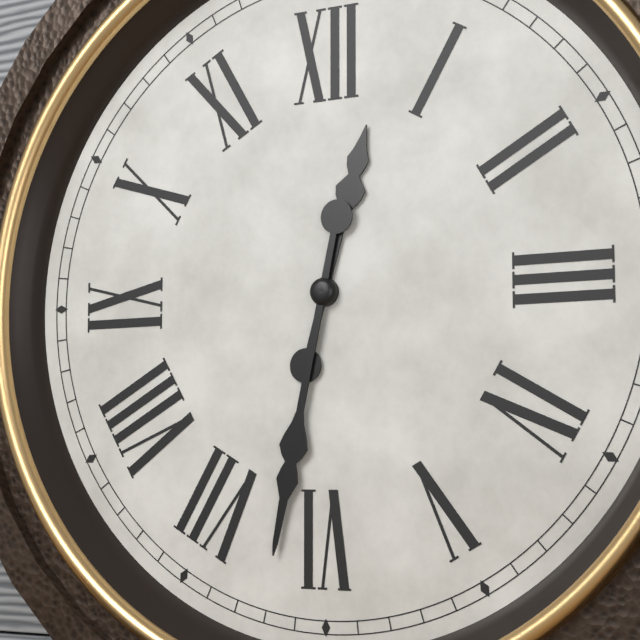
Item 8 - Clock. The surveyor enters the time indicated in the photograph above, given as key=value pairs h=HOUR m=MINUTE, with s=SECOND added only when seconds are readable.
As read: h=12 m=32
